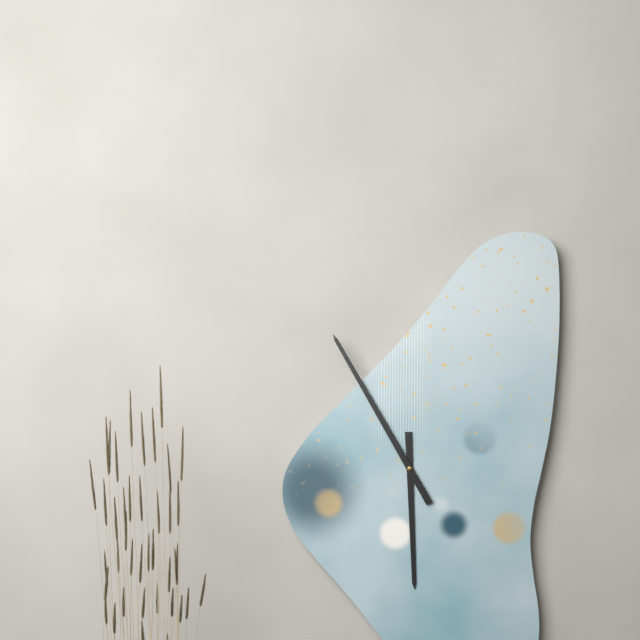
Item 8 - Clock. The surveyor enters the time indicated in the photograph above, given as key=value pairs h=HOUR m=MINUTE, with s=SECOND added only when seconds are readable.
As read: h=5 m=55
